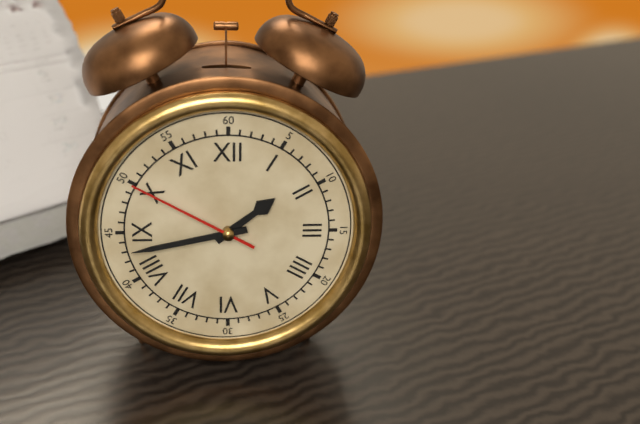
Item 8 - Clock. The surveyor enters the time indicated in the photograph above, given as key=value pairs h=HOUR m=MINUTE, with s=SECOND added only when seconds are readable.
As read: h=1 m=43 s=50
